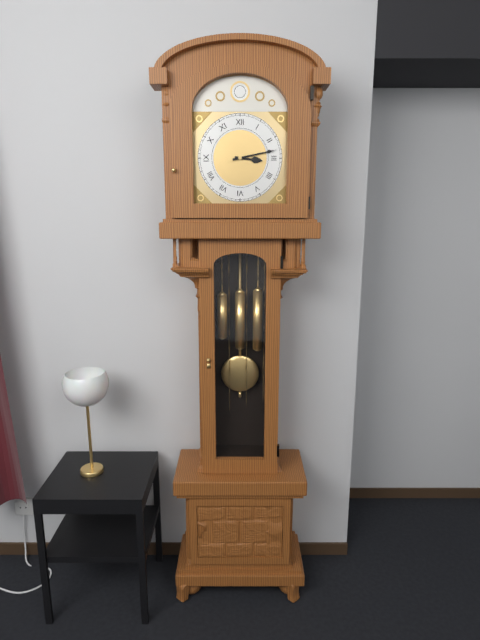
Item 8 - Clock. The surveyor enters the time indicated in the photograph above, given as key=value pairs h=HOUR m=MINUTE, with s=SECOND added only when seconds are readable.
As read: h=3 m=13
